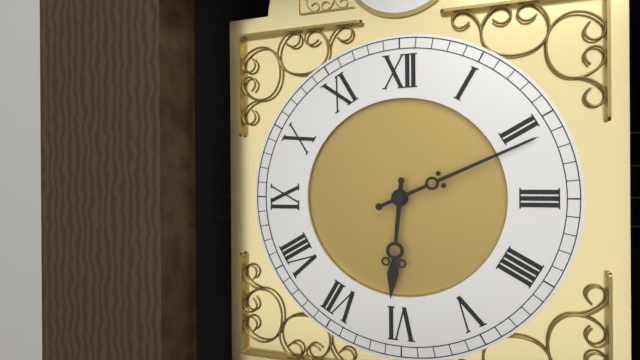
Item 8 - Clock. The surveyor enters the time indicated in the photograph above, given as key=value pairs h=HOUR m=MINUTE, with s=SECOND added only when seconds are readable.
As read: h=6 m=11
